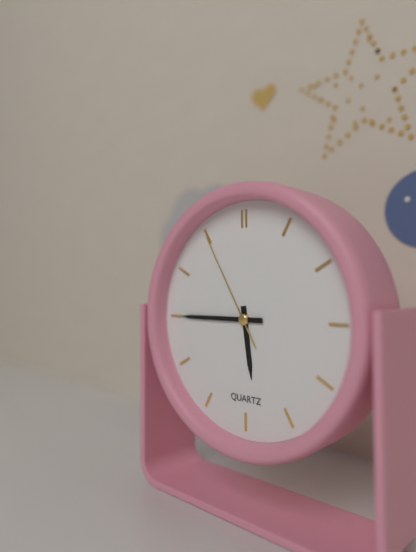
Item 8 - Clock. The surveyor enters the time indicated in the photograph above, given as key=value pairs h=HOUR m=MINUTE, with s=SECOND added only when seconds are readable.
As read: h=5 m=45 s=55
